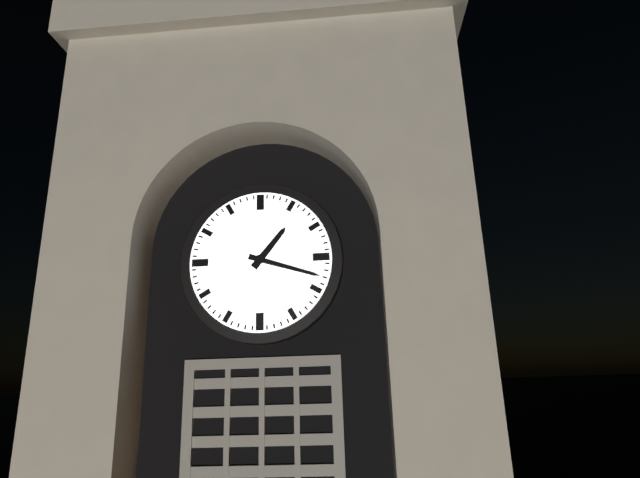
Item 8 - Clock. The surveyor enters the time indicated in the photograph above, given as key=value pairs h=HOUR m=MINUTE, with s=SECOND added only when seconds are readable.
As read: h=1 m=18
